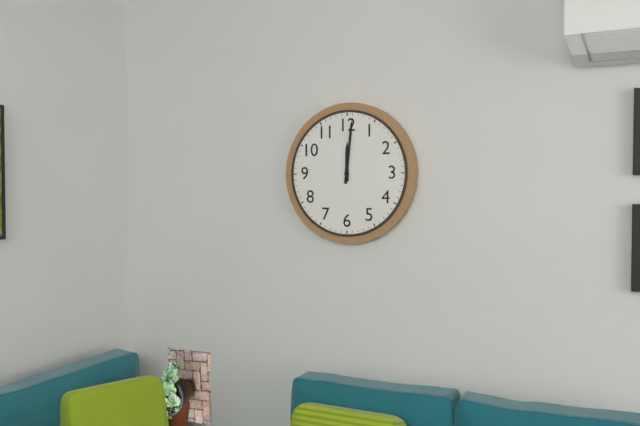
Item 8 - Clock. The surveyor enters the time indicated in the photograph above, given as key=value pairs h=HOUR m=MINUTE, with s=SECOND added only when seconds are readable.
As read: h=12 m=1
